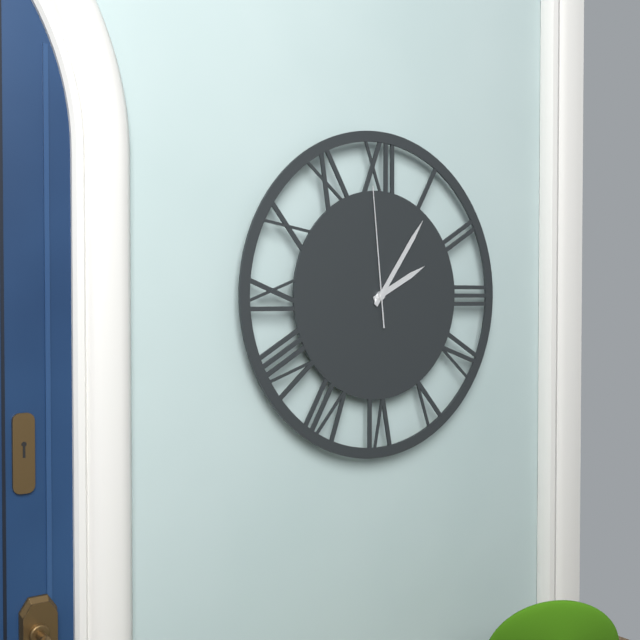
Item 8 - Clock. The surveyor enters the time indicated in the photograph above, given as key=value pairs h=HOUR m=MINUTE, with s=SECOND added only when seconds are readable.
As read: h=2 m=6 s=59
